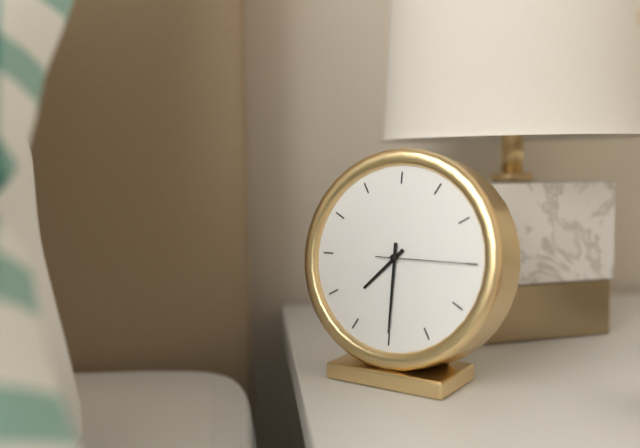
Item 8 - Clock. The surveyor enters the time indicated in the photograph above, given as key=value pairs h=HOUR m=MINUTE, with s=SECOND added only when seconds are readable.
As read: h=7 m=30 s=15
